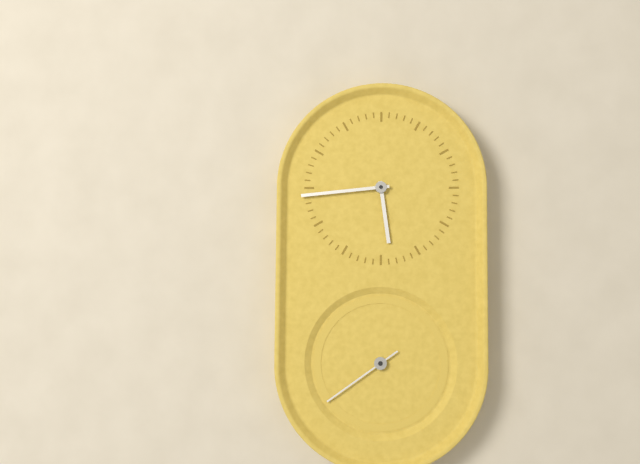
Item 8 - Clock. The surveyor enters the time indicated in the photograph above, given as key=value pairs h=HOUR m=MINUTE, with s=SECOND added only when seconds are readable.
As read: h=5 m=44 s=39
